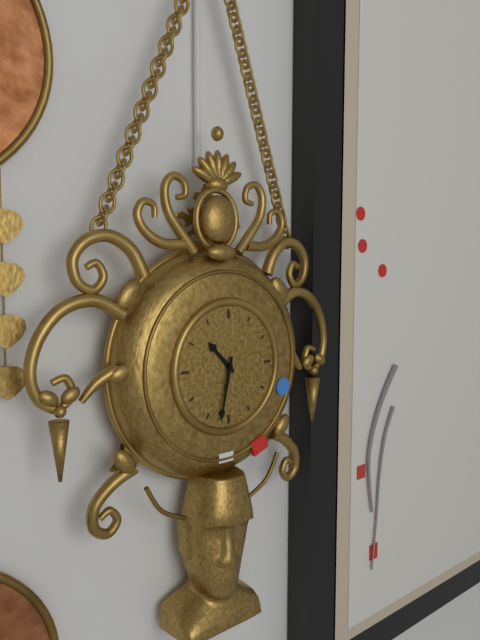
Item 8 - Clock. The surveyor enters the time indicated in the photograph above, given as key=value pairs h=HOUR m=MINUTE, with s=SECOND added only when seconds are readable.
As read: h=10 m=32
